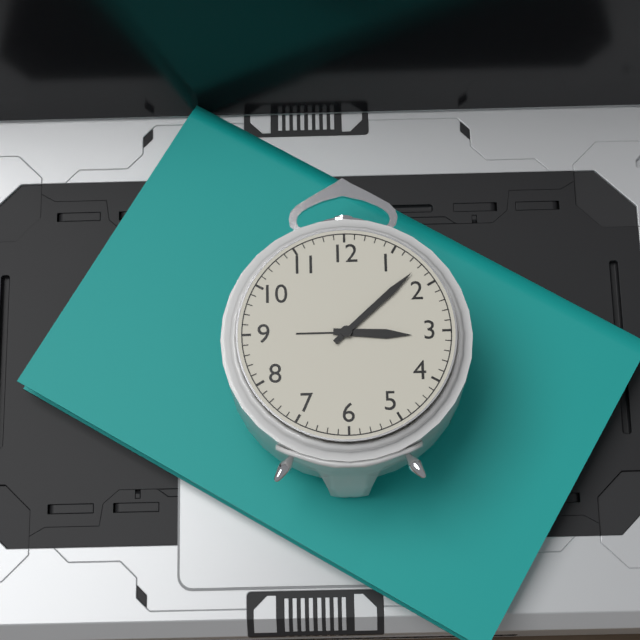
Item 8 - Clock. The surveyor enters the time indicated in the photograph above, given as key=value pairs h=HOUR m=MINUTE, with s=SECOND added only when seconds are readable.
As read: h=3 m=8
